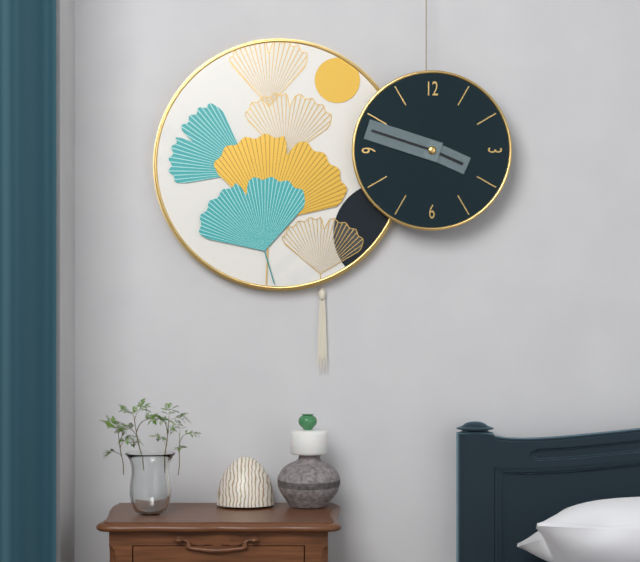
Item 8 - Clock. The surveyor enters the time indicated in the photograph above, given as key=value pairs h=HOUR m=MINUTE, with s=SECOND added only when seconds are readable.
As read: h=3 m=48
